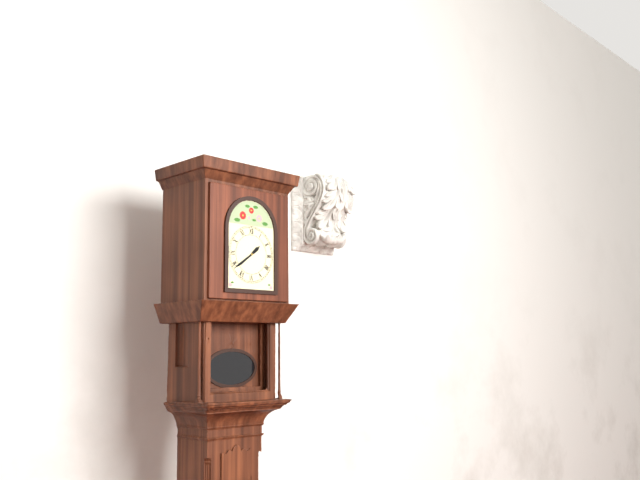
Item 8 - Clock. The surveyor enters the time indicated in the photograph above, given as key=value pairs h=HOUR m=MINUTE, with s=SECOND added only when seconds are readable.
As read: h=1 m=39
